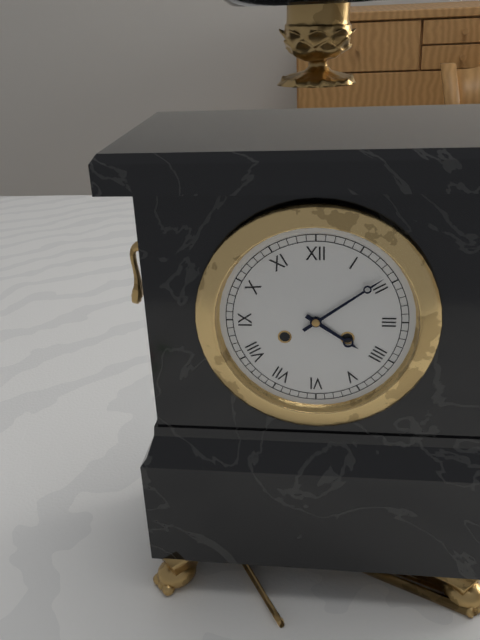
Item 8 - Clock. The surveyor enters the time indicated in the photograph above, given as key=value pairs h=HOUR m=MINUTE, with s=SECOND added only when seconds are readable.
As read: h=4 m=9
